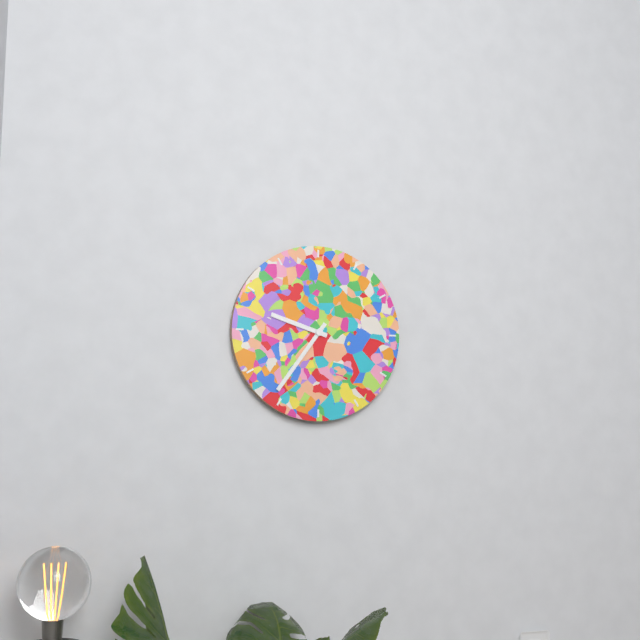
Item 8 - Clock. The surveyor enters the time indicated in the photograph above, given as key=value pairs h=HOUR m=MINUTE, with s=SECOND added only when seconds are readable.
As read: h=9 m=36
